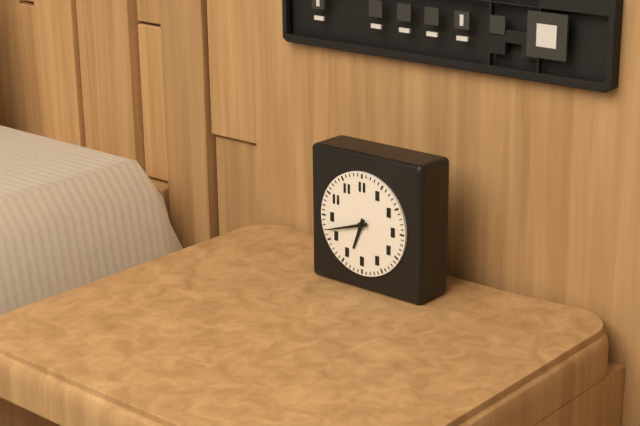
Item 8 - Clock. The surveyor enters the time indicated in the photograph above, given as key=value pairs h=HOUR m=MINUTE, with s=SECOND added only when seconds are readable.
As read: h=6 m=42
